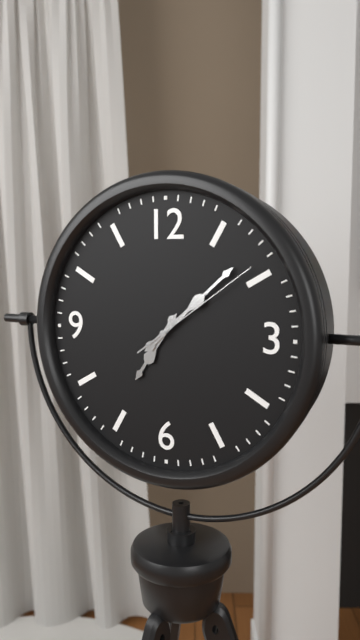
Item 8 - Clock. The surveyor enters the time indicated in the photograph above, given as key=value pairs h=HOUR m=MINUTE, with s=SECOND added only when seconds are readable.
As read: h=7 m=8 s=9
